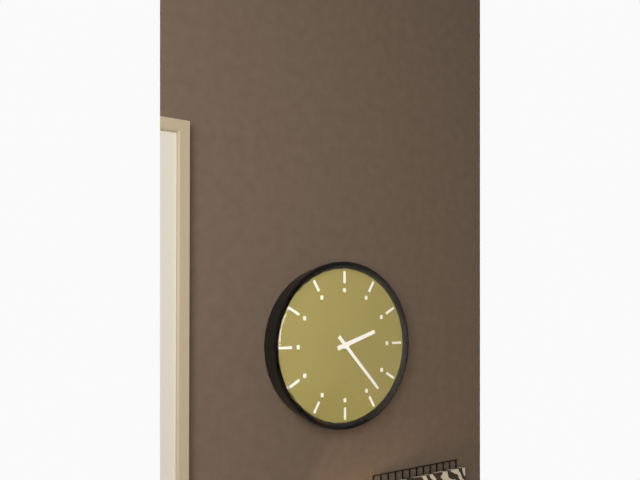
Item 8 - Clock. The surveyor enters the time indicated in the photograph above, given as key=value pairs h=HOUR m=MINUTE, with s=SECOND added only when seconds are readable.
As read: h=2 m=23
